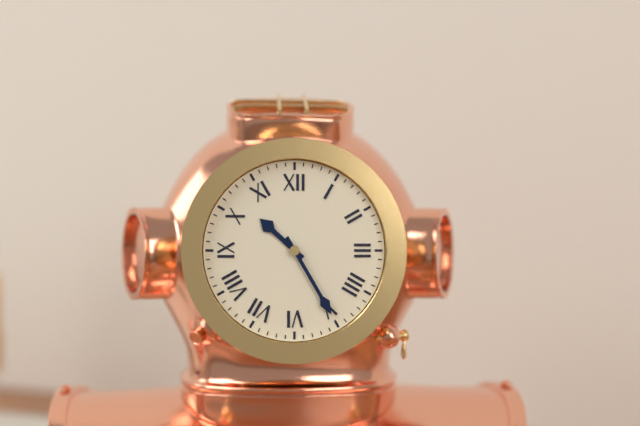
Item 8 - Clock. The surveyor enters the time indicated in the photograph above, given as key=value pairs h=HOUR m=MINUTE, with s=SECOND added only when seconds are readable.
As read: h=10 m=25
